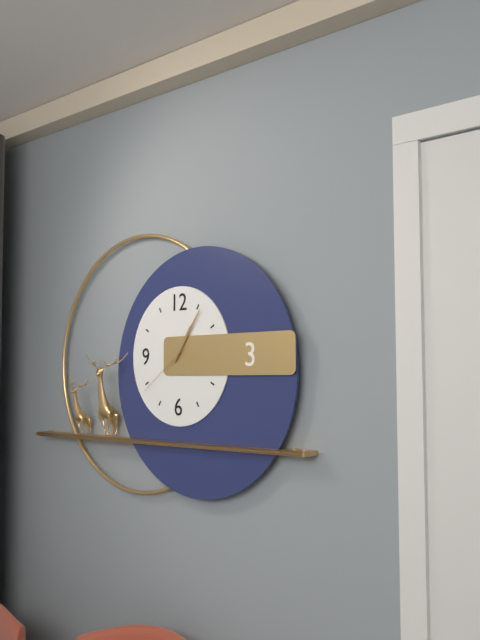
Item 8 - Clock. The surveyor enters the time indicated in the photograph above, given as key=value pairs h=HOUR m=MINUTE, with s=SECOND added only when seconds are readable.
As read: h=1 m=6 s=39
